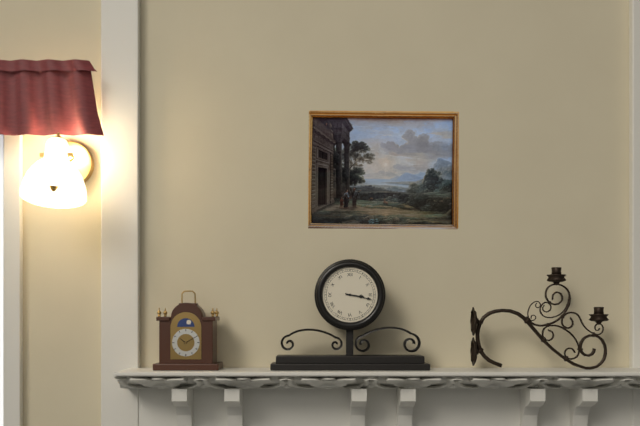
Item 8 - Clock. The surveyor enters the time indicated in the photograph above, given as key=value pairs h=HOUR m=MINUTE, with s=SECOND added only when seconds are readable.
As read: h=3 m=17
